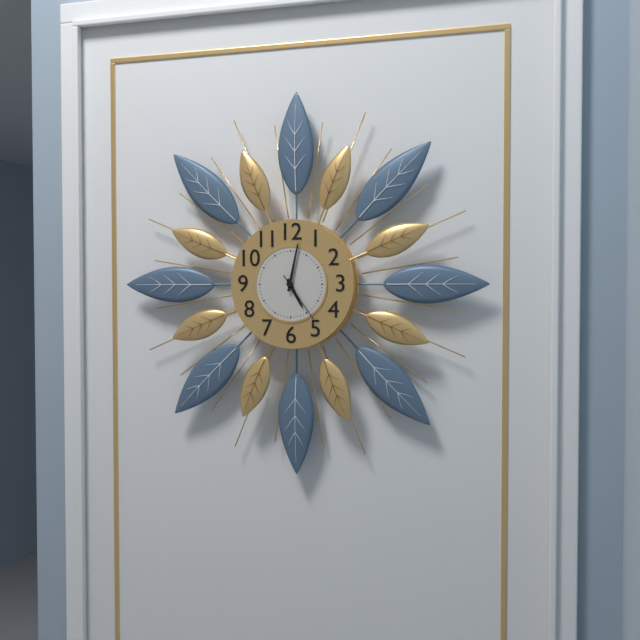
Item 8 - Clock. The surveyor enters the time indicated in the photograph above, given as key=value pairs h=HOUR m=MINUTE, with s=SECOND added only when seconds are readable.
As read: h=5 m=2 s=24
